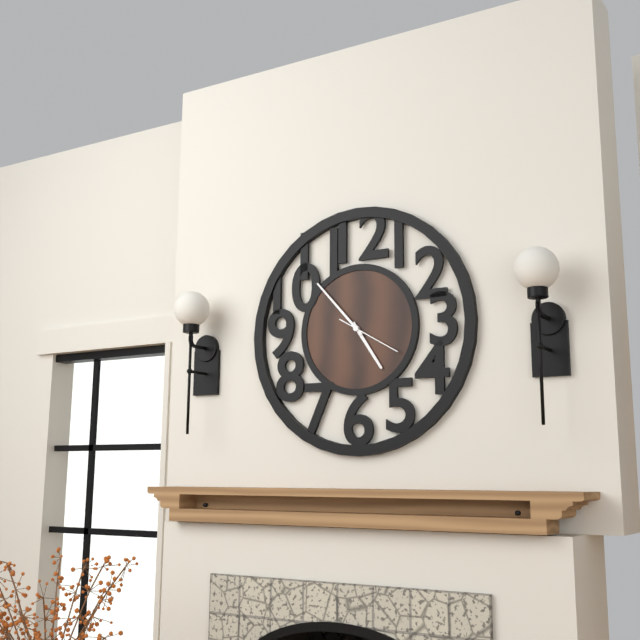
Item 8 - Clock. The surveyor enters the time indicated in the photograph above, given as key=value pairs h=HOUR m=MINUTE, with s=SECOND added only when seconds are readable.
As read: h=4 m=53 s=20
